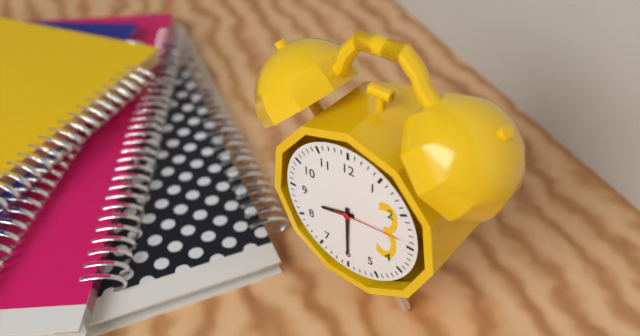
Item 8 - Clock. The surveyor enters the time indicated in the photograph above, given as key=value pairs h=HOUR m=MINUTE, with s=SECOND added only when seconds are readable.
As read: h=8 m=30 s=14
